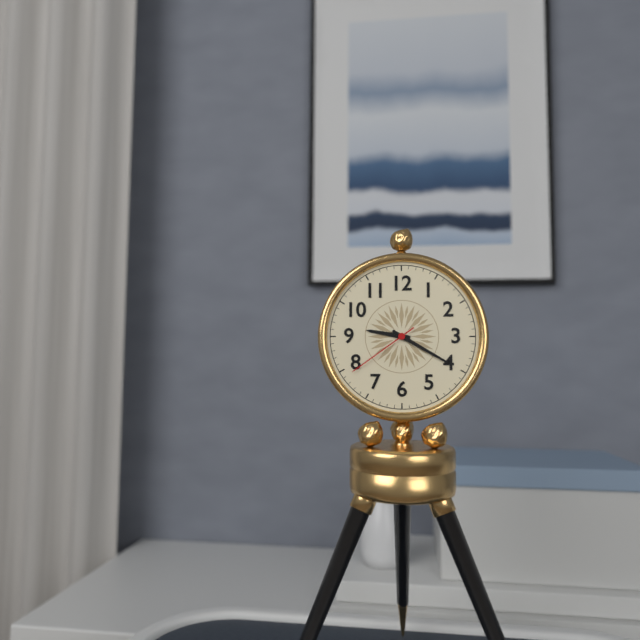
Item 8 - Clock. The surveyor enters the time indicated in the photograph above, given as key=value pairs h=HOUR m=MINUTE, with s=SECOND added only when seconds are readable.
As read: h=9 m=20 s=39
